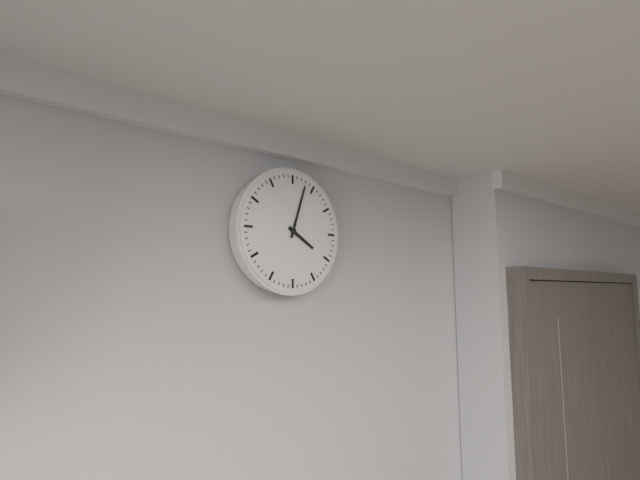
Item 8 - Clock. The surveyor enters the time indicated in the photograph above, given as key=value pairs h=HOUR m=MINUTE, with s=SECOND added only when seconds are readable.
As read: h=4 m=3
